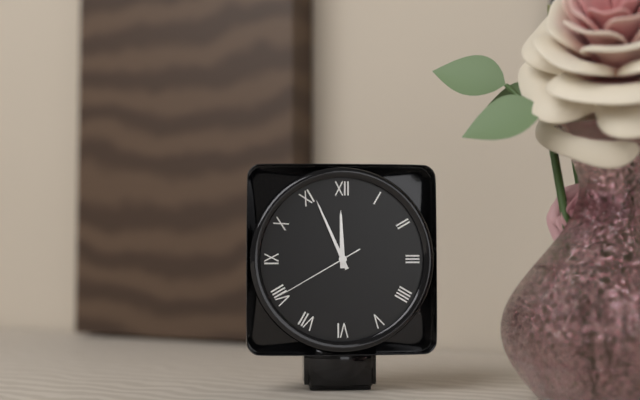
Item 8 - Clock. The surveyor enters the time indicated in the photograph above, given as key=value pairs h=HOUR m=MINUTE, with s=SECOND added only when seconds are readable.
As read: h=11 m=56 s=40
